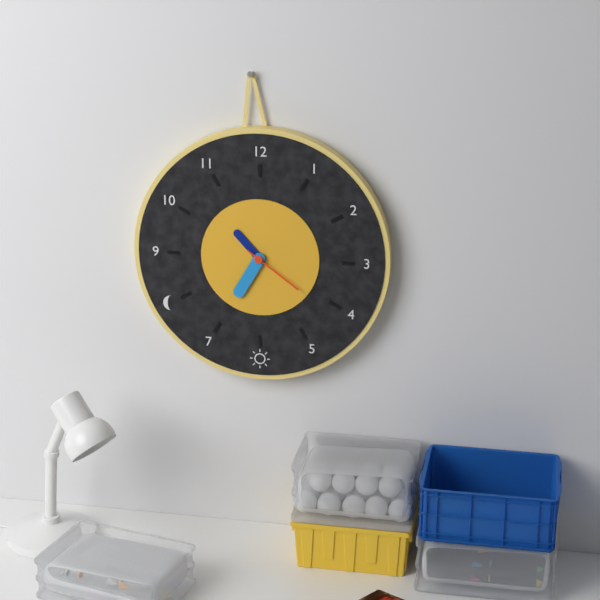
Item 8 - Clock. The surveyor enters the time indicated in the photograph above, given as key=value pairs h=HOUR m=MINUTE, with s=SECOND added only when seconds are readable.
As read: h=10 m=35 s=21
